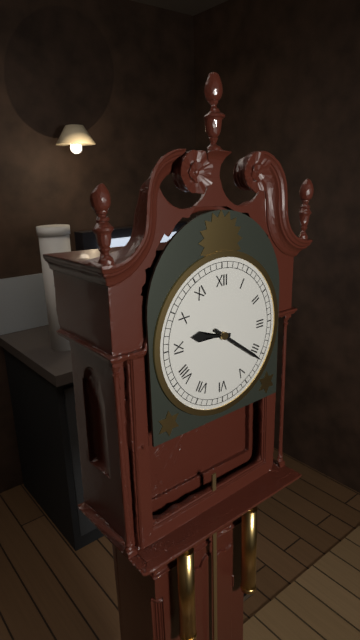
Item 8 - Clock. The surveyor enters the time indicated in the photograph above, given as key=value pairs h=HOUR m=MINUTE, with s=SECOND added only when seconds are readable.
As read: h=9 m=21
